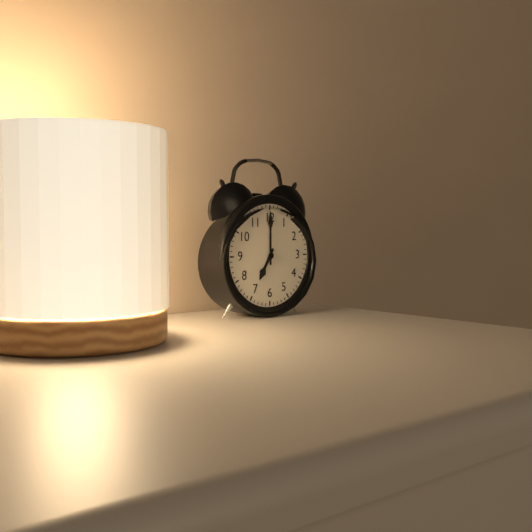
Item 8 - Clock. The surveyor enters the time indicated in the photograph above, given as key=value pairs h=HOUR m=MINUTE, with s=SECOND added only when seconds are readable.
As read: h=7 m=0
